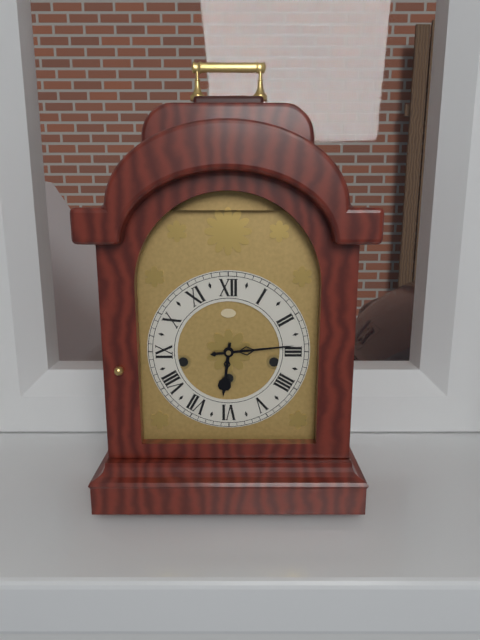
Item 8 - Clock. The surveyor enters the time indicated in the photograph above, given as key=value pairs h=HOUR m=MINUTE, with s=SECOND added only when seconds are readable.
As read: h=6 m=14
